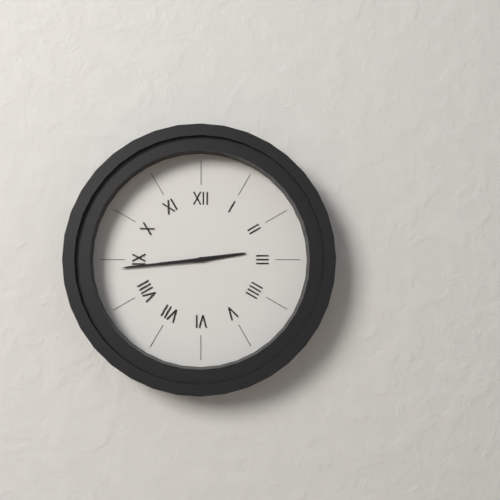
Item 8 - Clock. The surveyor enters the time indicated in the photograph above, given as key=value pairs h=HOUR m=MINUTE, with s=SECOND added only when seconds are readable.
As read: h=2 m=44
